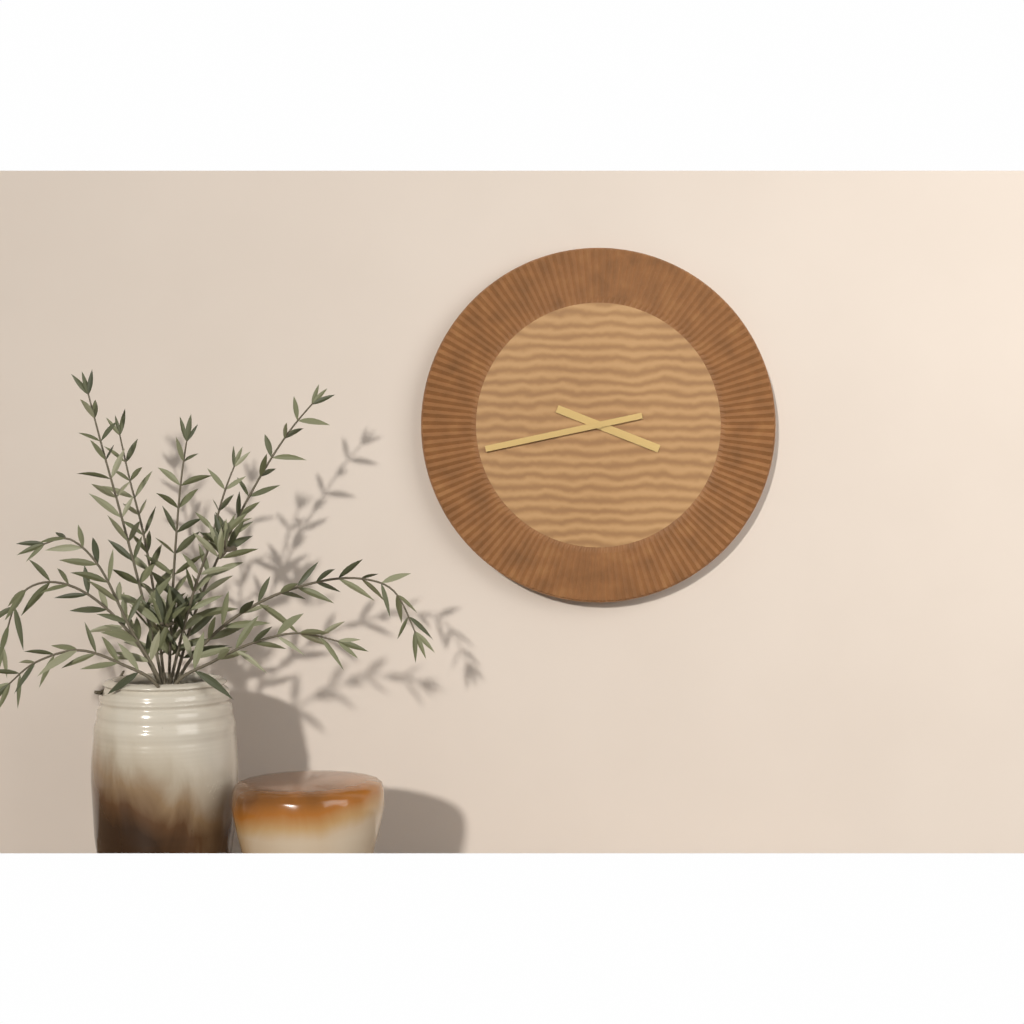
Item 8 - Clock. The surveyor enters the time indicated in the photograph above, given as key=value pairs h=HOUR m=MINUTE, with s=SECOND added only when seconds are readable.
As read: h=3 m=43
